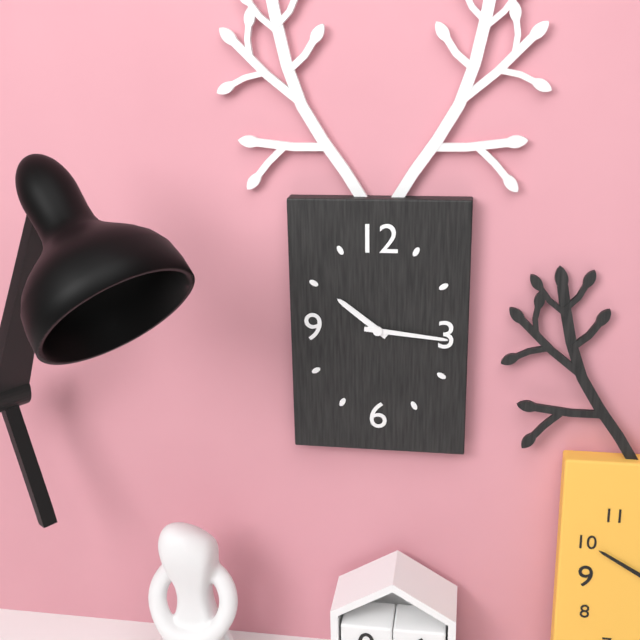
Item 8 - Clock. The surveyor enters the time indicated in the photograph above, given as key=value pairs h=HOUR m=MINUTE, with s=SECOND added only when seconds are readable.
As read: h=10 m=16
